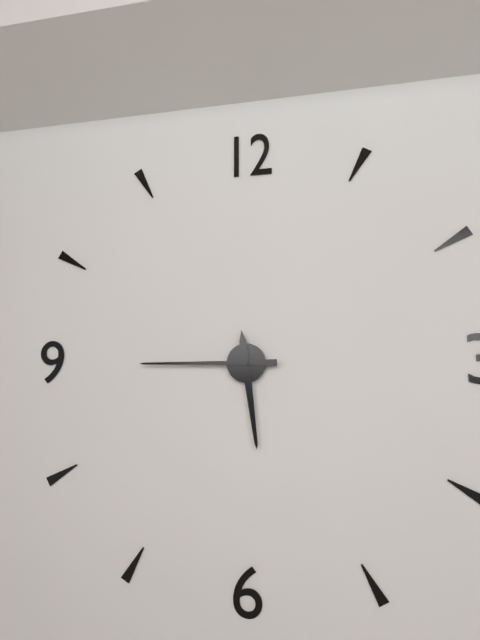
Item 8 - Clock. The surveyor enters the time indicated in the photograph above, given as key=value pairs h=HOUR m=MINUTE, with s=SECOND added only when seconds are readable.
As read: h=5 m=45
